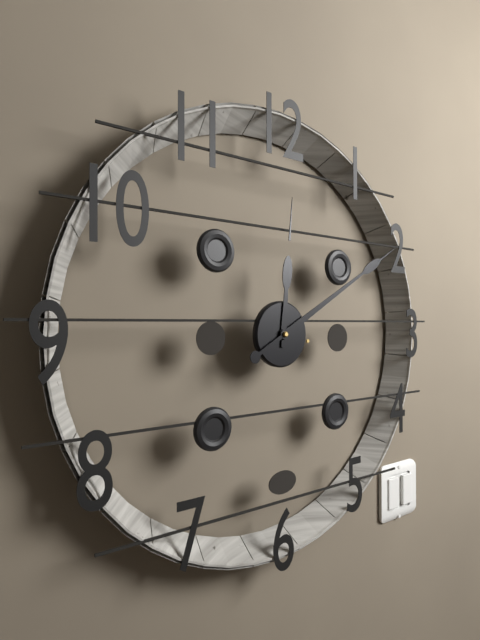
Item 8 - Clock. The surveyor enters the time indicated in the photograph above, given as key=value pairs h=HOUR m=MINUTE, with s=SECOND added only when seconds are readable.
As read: h=12 m=10
